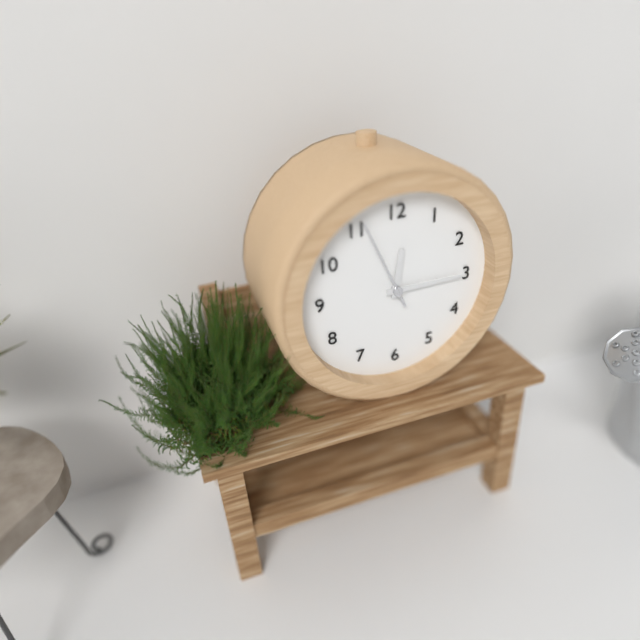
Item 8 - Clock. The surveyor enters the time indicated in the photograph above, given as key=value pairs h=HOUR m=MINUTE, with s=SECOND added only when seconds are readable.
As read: h=12 m=15 s=56
